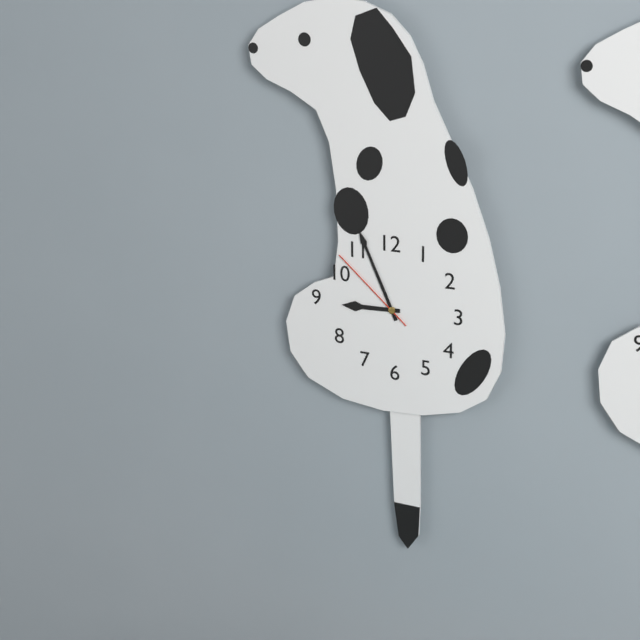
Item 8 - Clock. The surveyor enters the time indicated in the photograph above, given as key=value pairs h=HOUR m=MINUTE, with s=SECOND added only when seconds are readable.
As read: h=8 m=56 s=52
